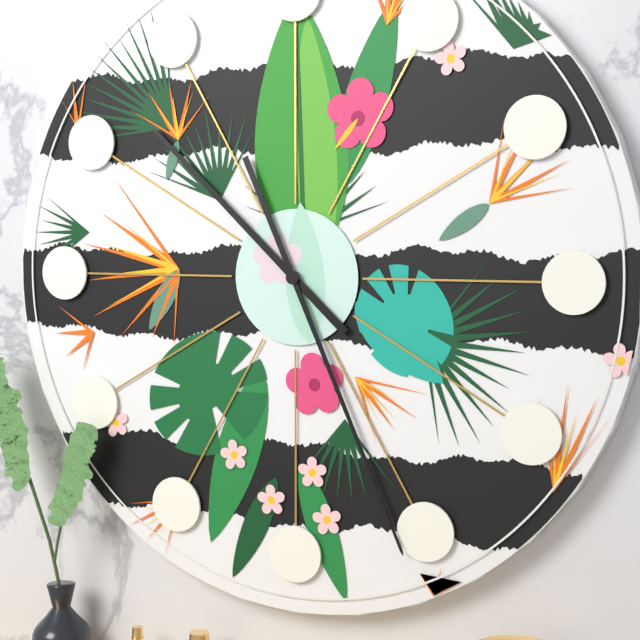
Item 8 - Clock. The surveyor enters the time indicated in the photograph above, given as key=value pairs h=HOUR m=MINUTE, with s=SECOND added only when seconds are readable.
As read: h=10 m=26
